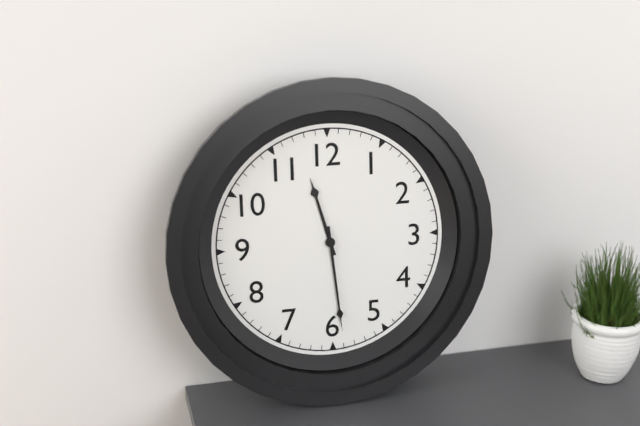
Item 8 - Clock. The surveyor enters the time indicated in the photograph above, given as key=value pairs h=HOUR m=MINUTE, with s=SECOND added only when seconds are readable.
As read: h=11 m=29
